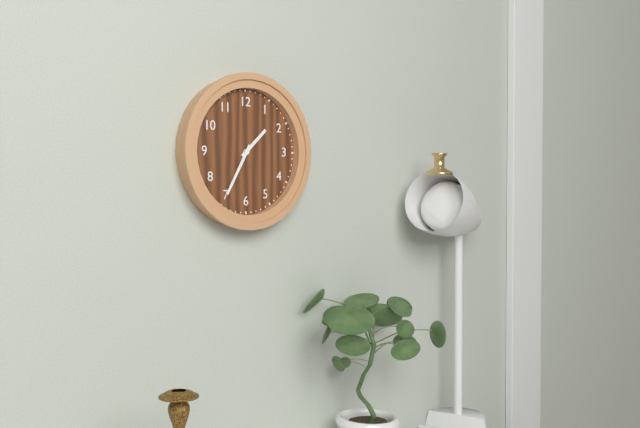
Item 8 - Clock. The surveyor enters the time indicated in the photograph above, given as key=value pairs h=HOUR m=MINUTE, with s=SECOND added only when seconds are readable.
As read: h=1 m=35
